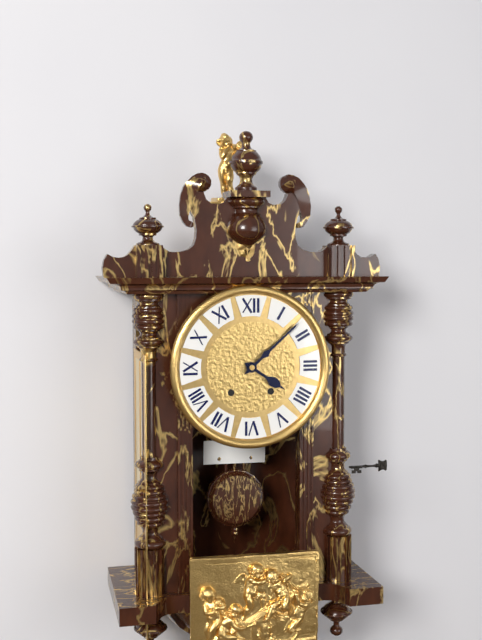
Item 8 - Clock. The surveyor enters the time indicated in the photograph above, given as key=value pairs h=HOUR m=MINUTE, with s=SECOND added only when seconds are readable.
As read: h=4 m=8
